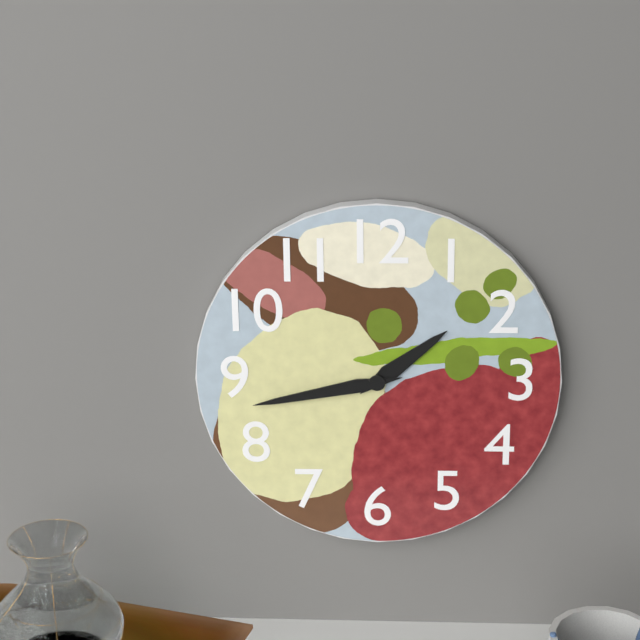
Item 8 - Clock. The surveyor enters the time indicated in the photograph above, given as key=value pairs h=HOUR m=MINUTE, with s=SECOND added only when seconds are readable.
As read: h=1 m=43
